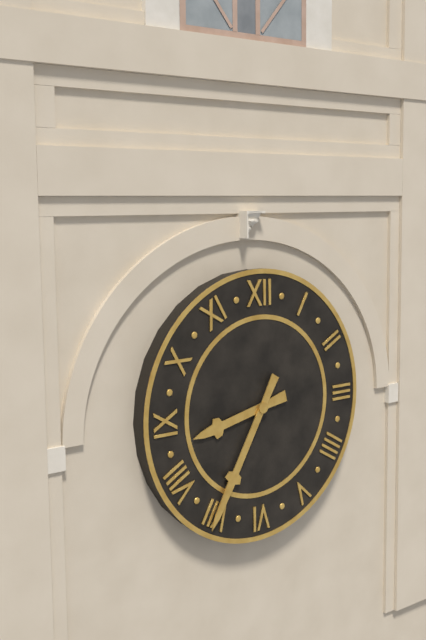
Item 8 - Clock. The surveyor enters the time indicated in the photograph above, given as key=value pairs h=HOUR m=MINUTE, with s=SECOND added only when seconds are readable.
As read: h=8 m=35
